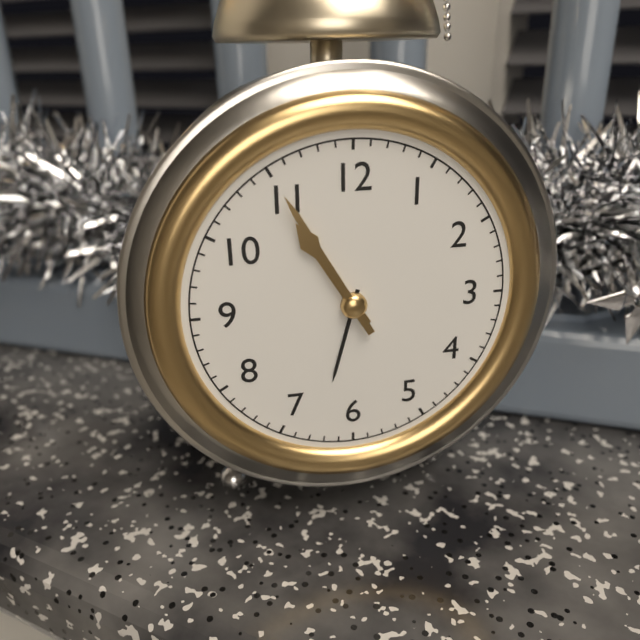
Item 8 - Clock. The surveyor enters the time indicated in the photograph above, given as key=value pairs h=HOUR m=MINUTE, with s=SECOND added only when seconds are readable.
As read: h=10 m=55
